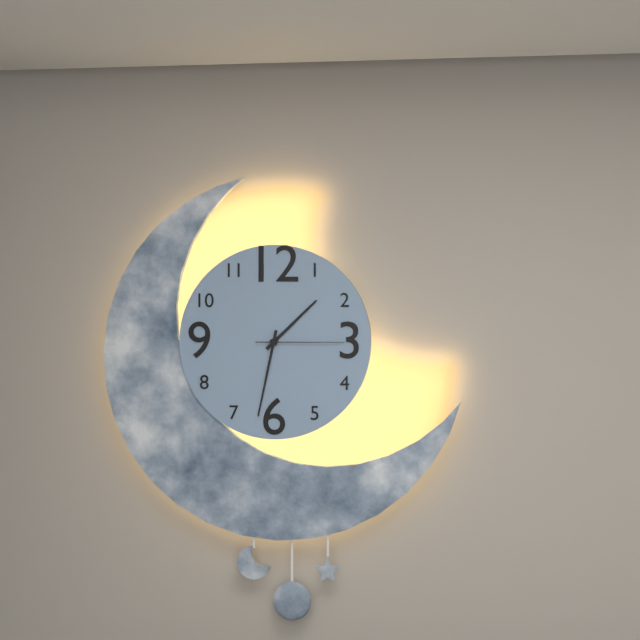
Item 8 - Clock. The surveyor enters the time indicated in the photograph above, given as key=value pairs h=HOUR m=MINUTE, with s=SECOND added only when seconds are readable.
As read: h=1 m=32 s=15
